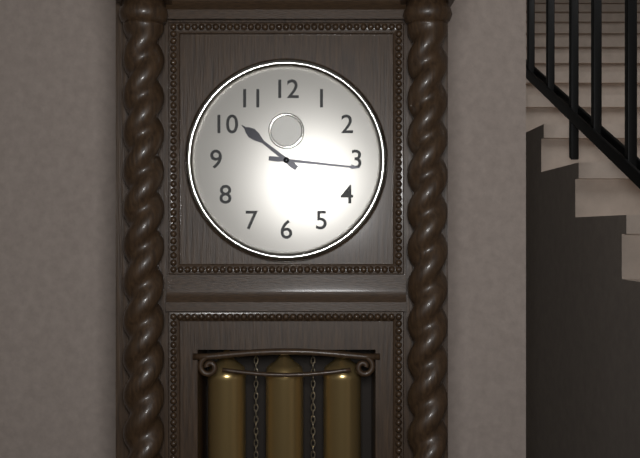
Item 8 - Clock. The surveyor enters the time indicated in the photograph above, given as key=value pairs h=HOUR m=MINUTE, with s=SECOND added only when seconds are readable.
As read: h=10 m=16
